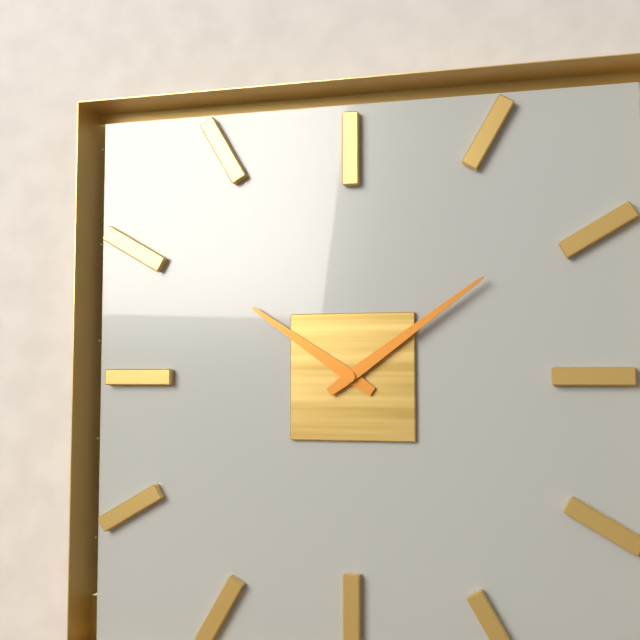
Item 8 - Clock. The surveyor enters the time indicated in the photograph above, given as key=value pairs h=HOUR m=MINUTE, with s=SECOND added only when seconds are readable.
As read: h=10 m=9
